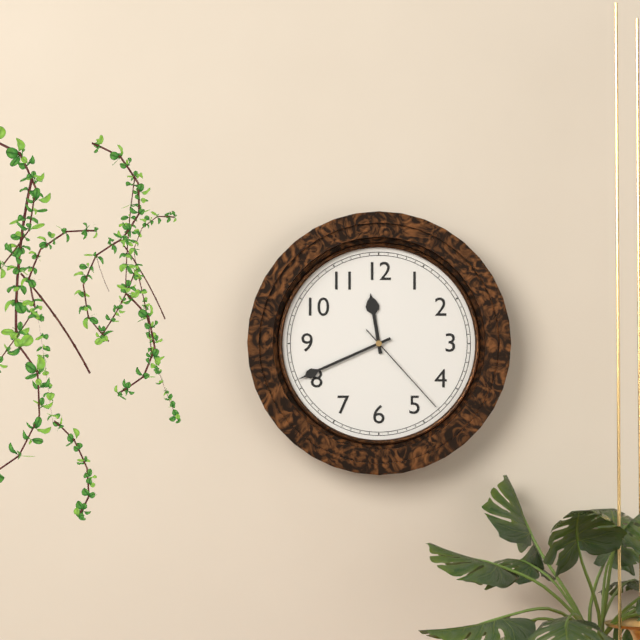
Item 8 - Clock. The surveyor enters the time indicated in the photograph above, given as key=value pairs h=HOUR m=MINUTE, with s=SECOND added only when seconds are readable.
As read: h=11 m=41 s=23
